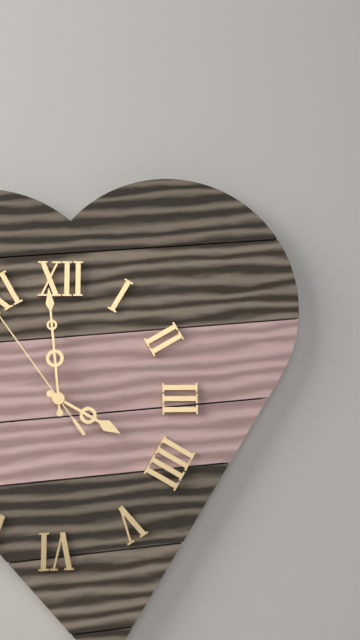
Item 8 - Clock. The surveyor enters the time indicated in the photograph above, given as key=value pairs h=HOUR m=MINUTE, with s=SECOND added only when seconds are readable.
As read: h=3 m=59
